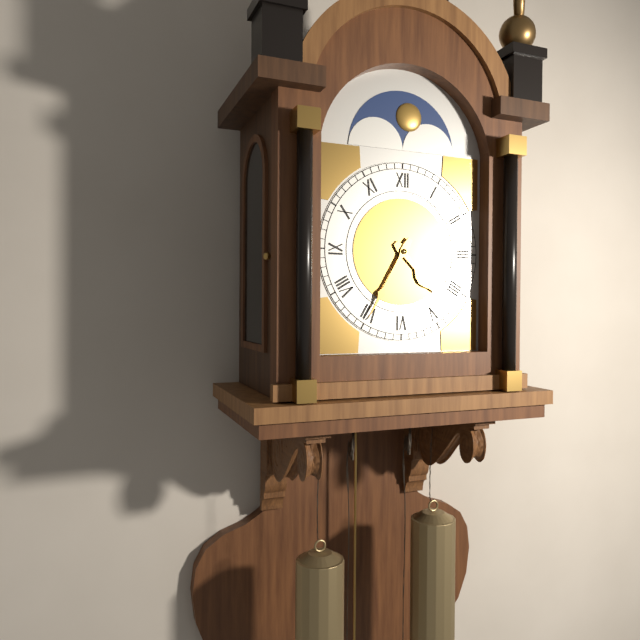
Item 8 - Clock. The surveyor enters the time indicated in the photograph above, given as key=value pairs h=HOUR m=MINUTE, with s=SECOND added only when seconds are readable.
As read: h=4 m=35
